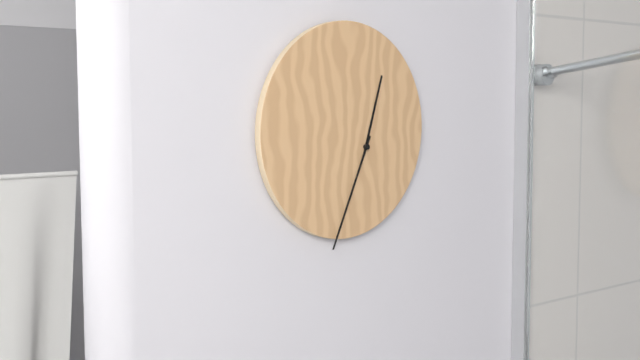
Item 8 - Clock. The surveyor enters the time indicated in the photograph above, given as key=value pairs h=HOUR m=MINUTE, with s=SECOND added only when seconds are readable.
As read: h=12 m=34
